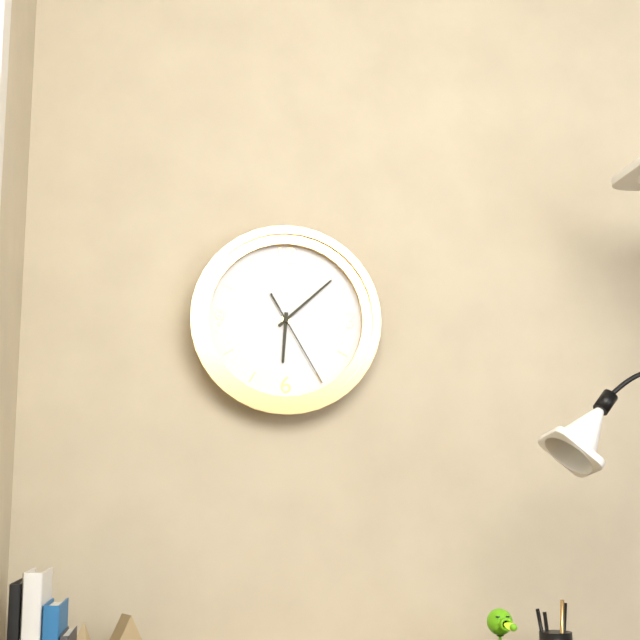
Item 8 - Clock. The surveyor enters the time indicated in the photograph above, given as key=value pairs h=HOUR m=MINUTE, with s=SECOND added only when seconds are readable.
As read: h=6 m=8 s=25
